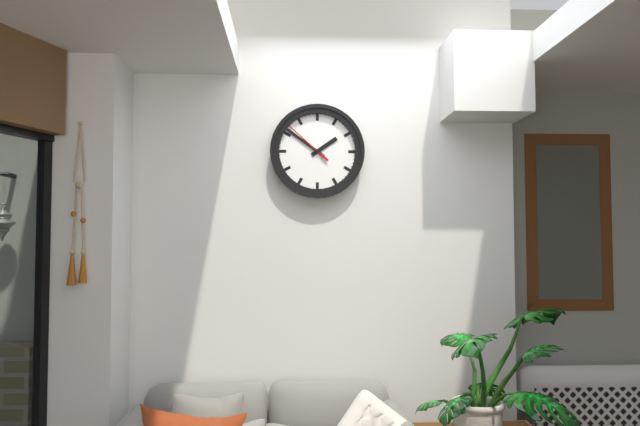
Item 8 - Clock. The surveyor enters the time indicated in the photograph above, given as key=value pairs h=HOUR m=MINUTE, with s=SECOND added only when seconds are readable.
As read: h=1 m=51
